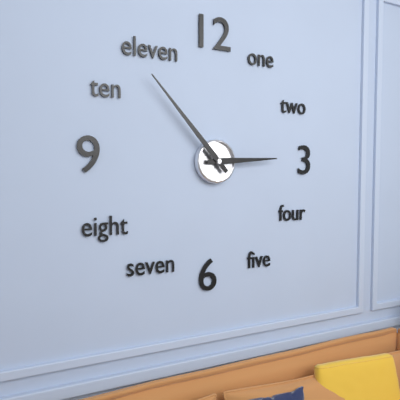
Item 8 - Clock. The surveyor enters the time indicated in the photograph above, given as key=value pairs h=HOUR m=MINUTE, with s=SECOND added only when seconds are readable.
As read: h=2 m=53
